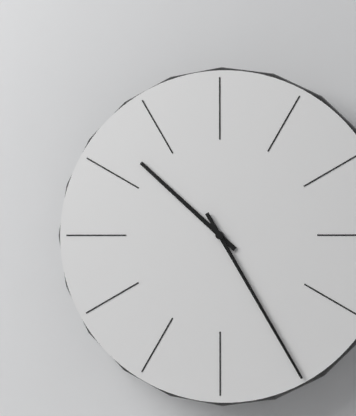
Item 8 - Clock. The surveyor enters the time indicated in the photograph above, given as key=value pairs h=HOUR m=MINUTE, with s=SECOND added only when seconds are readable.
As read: h=10 m=25
